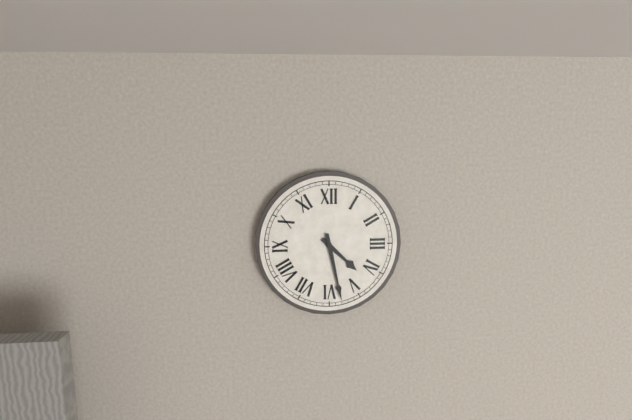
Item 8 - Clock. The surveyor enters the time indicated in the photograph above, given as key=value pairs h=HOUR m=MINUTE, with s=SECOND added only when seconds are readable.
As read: h=4 m=28
